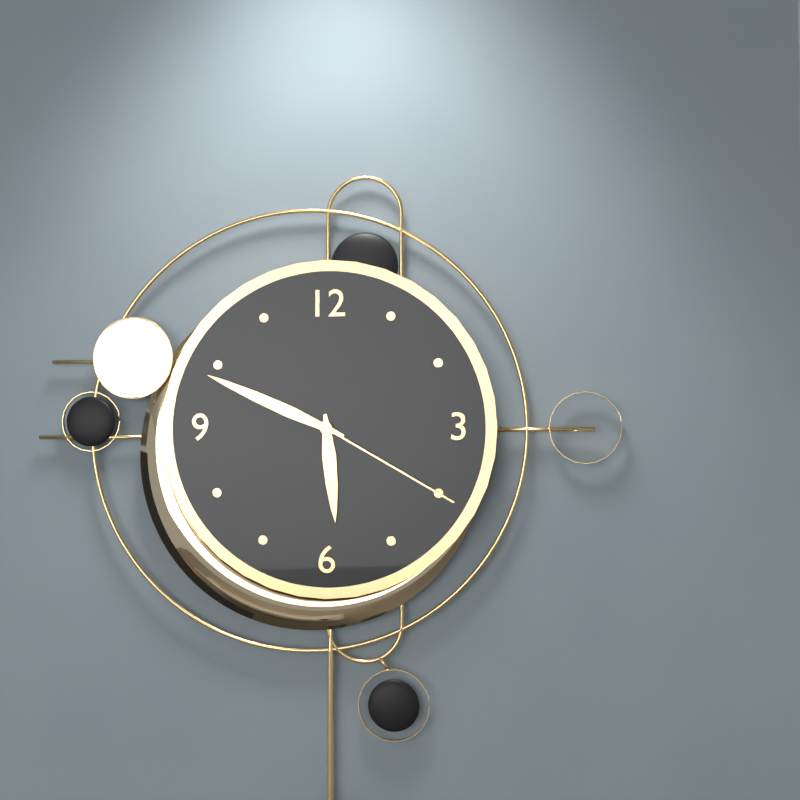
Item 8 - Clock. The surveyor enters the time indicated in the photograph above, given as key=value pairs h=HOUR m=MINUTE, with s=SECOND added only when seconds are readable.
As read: h=5 m=49 s=20
